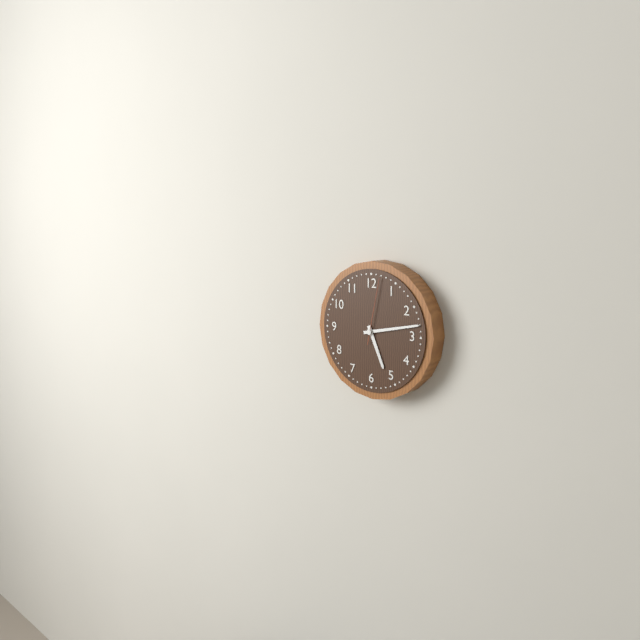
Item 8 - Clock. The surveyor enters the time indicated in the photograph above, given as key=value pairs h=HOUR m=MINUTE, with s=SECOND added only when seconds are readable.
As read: h=5 m=13 s=2
